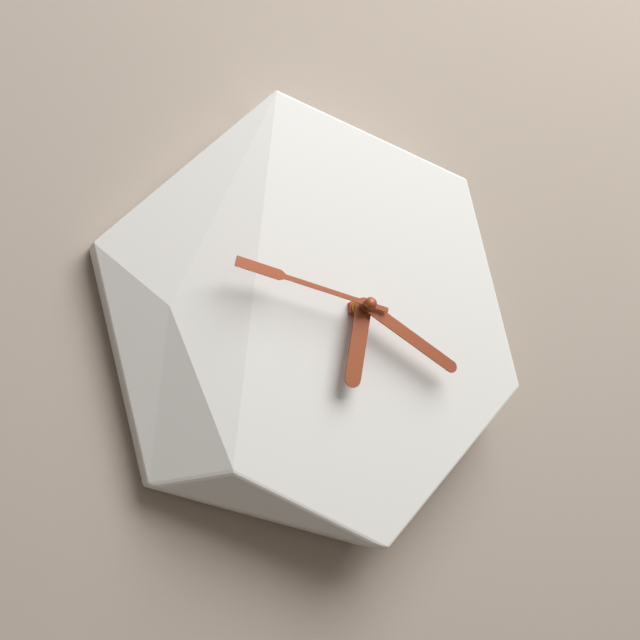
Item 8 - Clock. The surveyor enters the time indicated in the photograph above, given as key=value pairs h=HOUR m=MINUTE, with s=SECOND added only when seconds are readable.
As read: h=6 m=20 s=47
